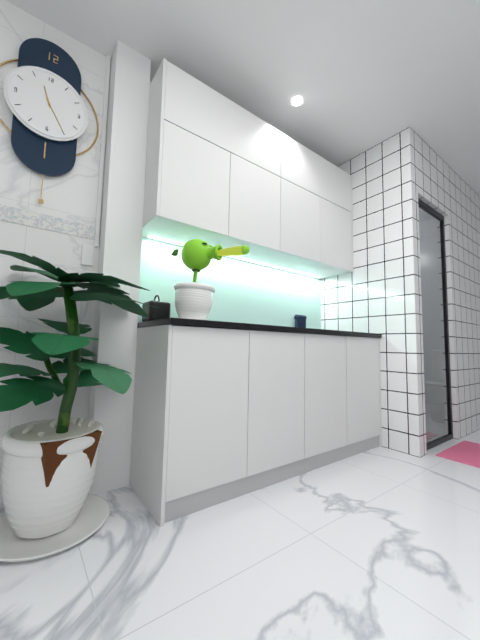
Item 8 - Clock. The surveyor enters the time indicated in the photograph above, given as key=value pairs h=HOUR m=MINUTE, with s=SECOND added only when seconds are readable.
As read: h=11 m=25
